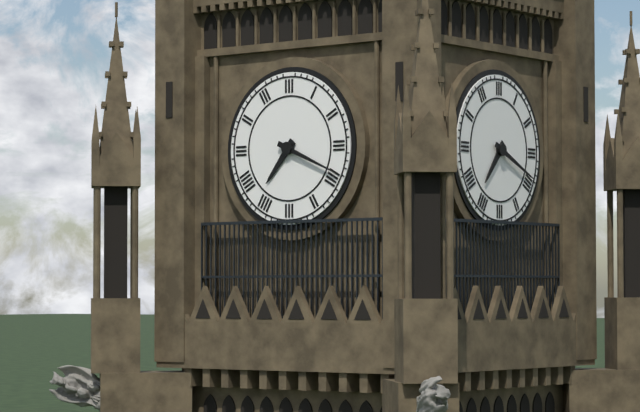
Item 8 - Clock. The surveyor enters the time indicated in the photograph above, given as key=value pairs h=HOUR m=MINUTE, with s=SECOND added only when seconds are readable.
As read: h=7 m=19
